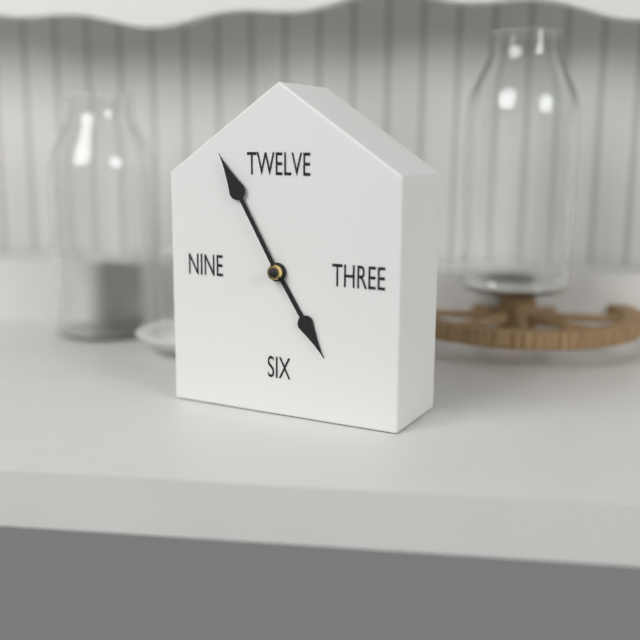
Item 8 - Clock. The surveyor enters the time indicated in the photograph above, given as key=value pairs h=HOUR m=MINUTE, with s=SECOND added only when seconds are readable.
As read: h=4 m=55
